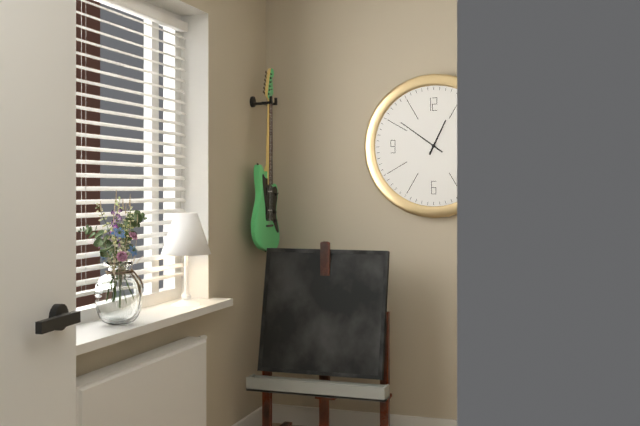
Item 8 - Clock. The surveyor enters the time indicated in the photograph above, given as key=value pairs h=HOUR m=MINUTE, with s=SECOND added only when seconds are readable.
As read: h=12 m=51
